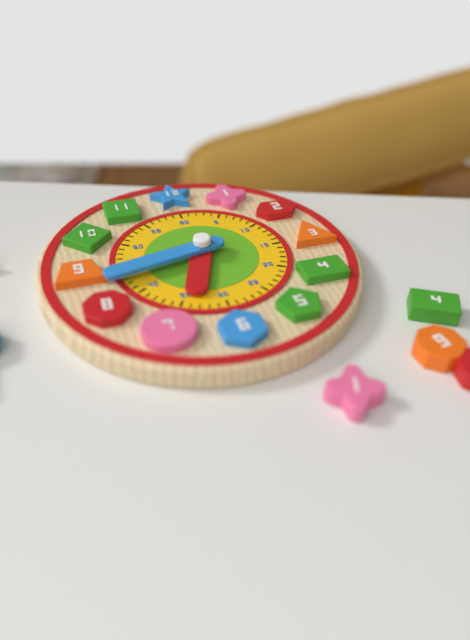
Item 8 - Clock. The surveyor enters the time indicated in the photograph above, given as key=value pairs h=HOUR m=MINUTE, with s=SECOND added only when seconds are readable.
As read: h=6 m=43
